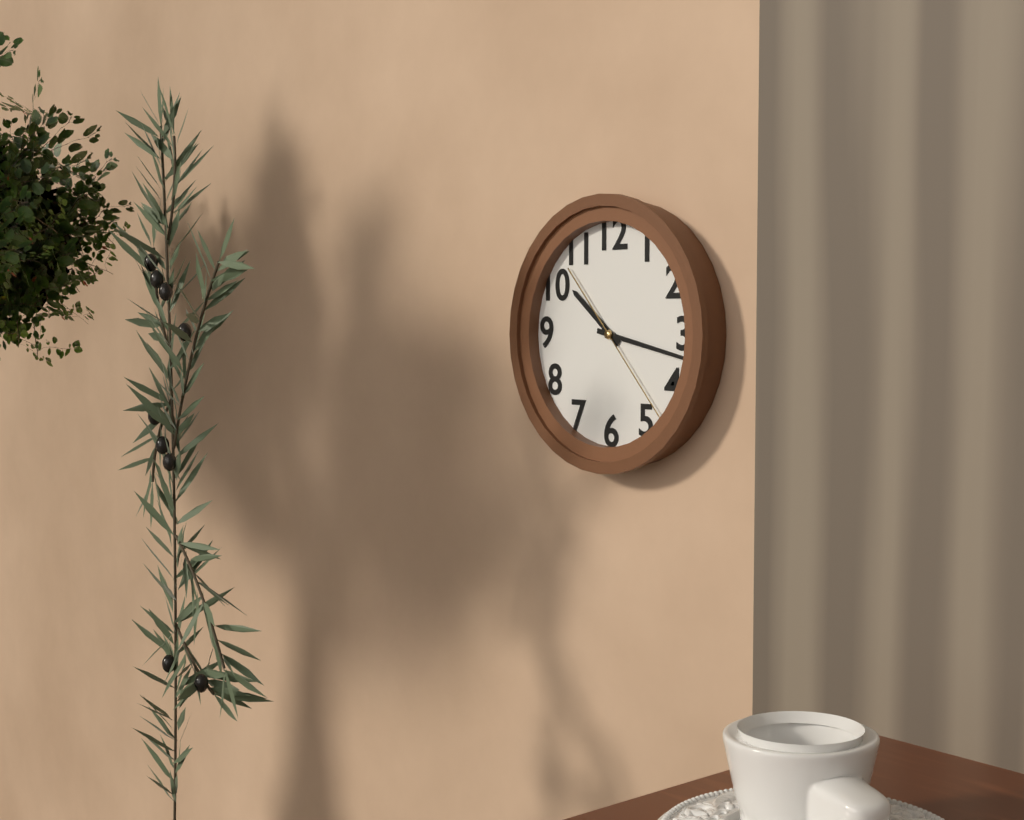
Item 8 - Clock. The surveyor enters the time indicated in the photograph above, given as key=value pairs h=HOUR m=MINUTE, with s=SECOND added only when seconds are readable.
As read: h=10 m=17 s=23
